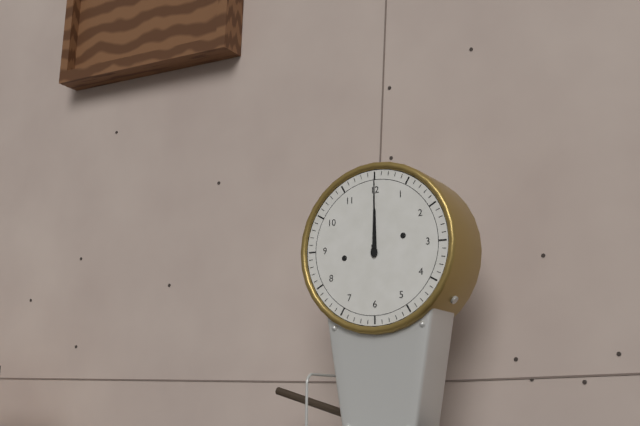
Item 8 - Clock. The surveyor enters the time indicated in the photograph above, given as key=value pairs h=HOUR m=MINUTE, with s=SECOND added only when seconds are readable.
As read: h=12 m=0
